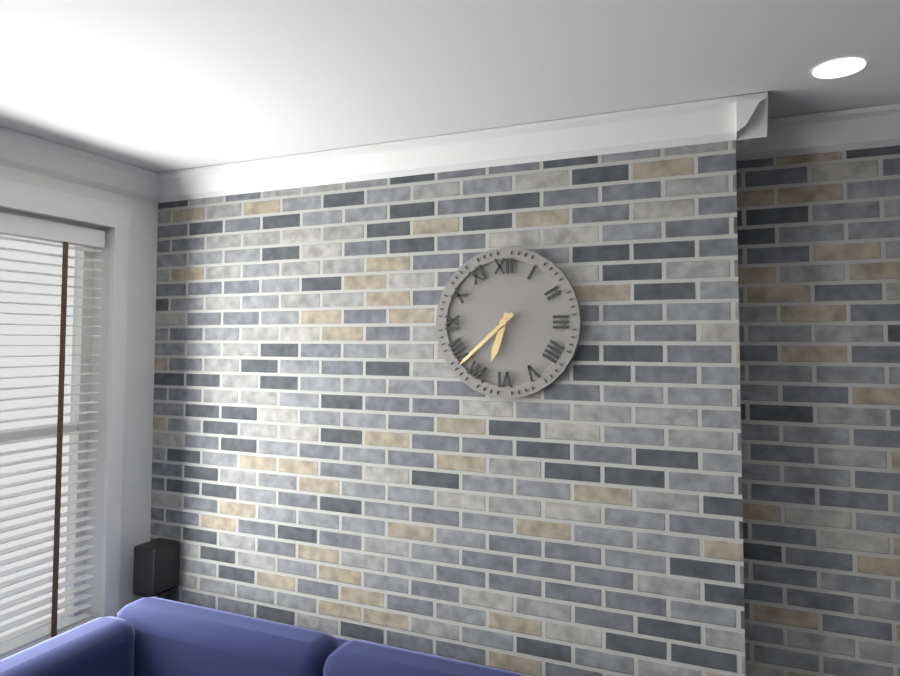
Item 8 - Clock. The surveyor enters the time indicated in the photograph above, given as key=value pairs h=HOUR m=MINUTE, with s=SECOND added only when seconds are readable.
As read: h=6 m=38
